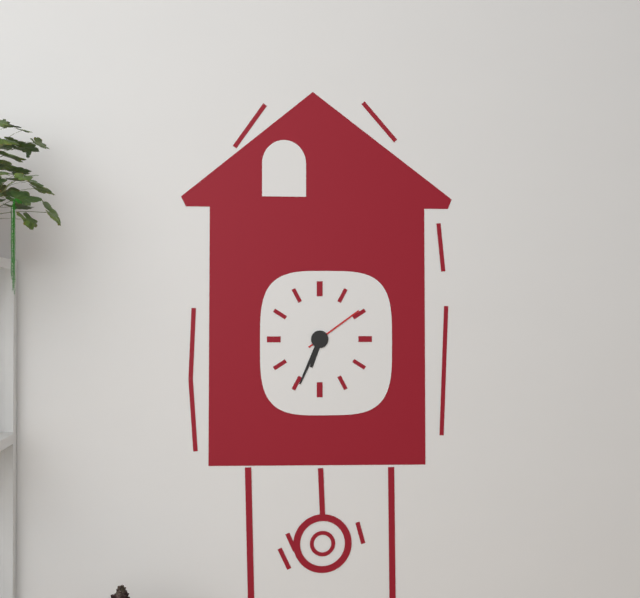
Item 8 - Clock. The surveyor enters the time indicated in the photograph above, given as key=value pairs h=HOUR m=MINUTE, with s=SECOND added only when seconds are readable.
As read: h=6 m=34 s=9
